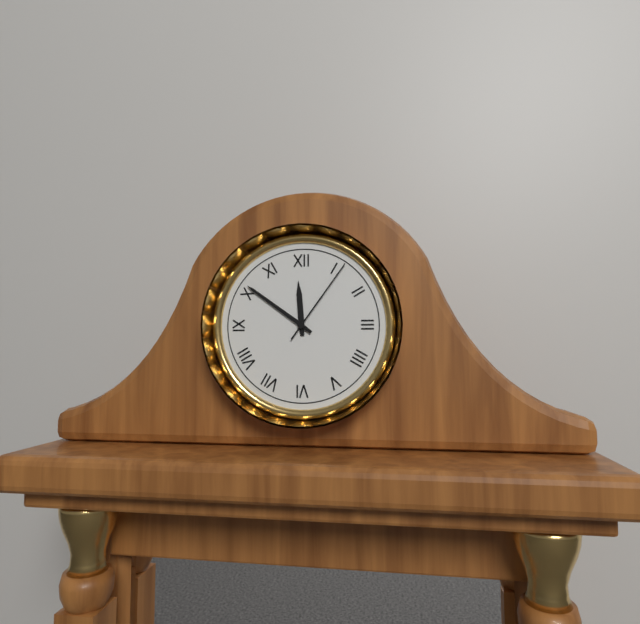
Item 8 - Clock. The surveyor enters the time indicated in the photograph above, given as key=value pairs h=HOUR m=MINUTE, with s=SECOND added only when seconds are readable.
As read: h=11 m=51 s=6
